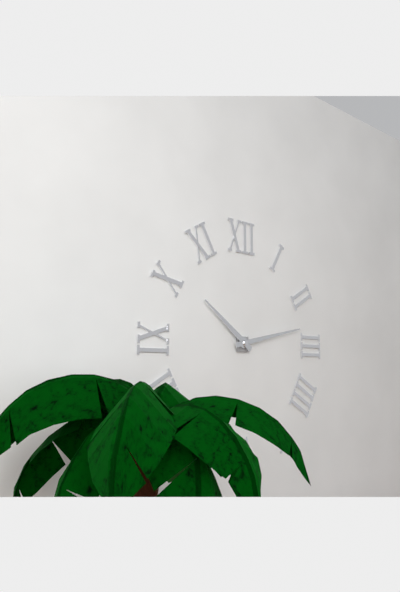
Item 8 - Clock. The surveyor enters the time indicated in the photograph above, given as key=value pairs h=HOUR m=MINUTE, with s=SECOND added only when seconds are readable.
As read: h=10 m=13
